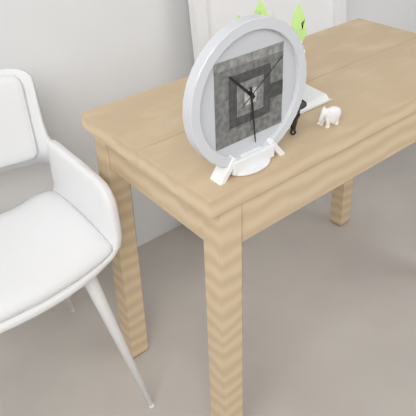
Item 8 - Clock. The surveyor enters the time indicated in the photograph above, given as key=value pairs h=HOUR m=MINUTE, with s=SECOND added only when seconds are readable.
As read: h=10 m=29 s=9
